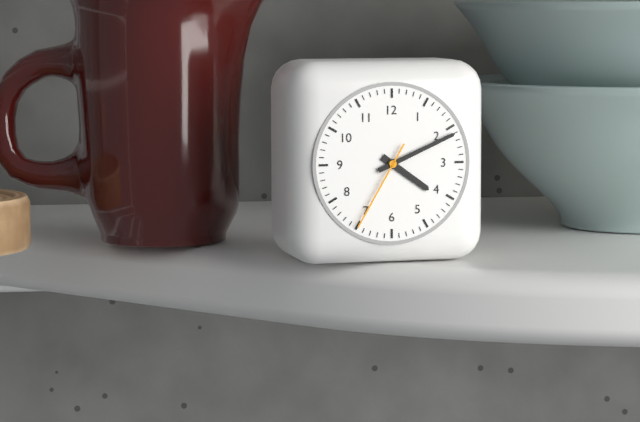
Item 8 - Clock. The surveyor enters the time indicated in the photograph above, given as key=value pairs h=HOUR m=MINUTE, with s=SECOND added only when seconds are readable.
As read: h=4 m=11 s=35
